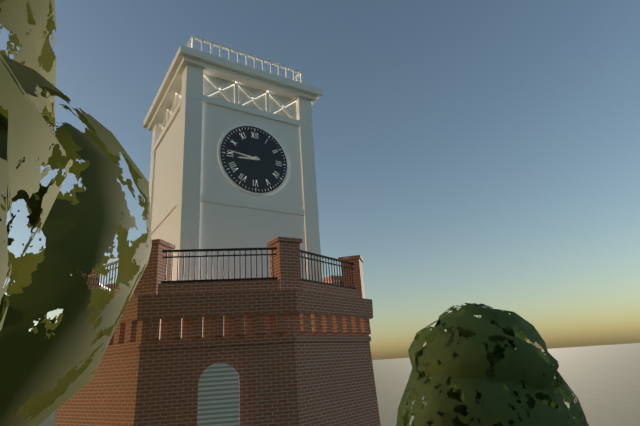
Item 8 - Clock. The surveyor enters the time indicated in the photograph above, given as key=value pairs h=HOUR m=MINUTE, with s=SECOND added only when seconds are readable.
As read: h=8 m=46
